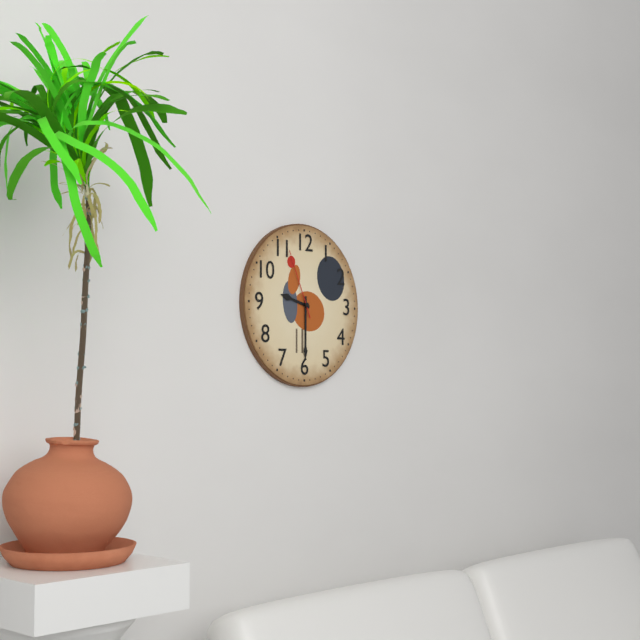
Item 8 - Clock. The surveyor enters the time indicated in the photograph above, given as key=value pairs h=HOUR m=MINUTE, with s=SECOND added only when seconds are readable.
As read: h=9 m=30 s=56
